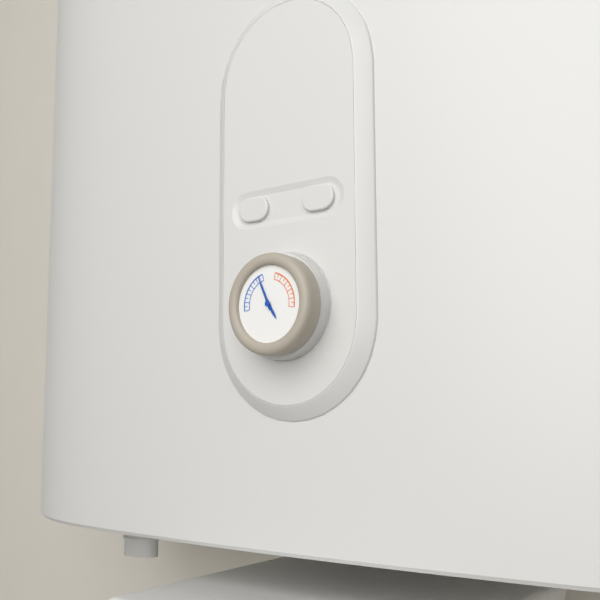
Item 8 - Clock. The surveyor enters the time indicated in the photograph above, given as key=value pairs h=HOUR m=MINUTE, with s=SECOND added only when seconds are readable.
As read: h=4 m=56
